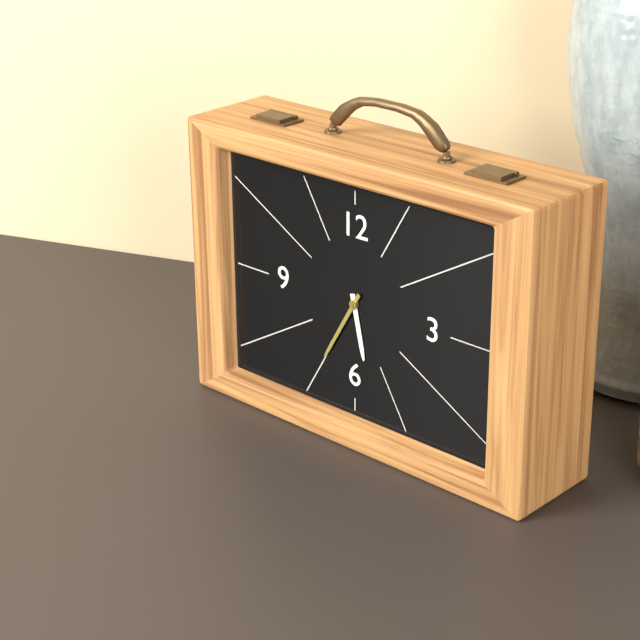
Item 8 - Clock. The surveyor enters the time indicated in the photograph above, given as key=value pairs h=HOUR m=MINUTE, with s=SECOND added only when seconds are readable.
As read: h=5 m=35
